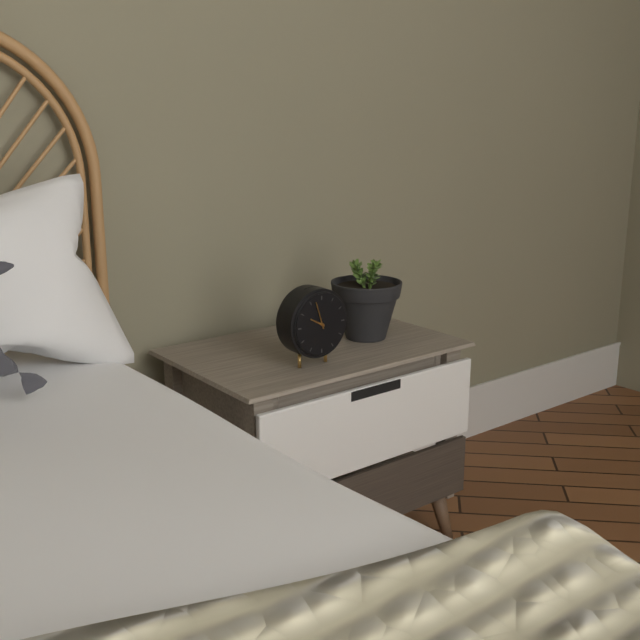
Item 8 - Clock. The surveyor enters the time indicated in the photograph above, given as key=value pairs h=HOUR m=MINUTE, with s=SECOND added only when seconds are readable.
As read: h=9 m=57
